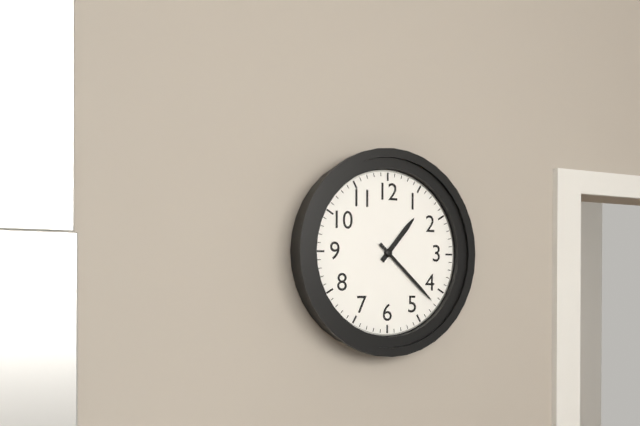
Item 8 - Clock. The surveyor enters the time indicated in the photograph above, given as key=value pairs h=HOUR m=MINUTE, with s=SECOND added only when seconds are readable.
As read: h=1 m=22
